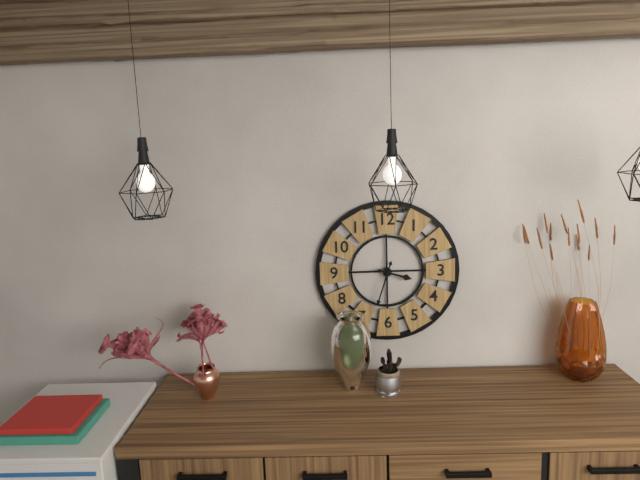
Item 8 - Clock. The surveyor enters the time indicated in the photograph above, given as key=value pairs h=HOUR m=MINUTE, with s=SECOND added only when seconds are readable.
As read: h=3 m=33
